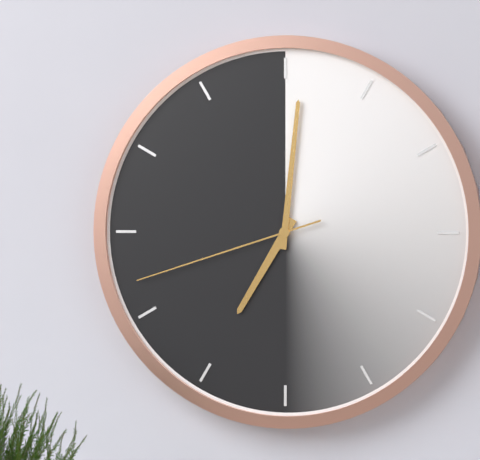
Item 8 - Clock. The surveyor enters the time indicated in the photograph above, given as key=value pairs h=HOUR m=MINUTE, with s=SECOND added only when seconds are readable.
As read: h=7 m=1 s=42
